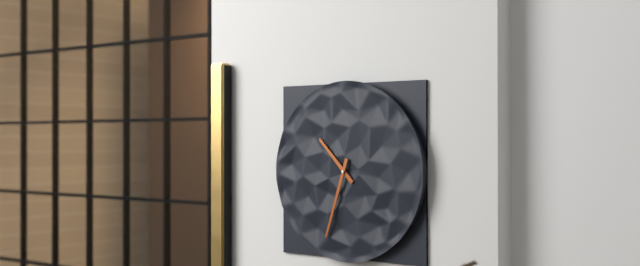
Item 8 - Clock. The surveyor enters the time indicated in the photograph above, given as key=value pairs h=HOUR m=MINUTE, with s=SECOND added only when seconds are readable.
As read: h=10 m=33
